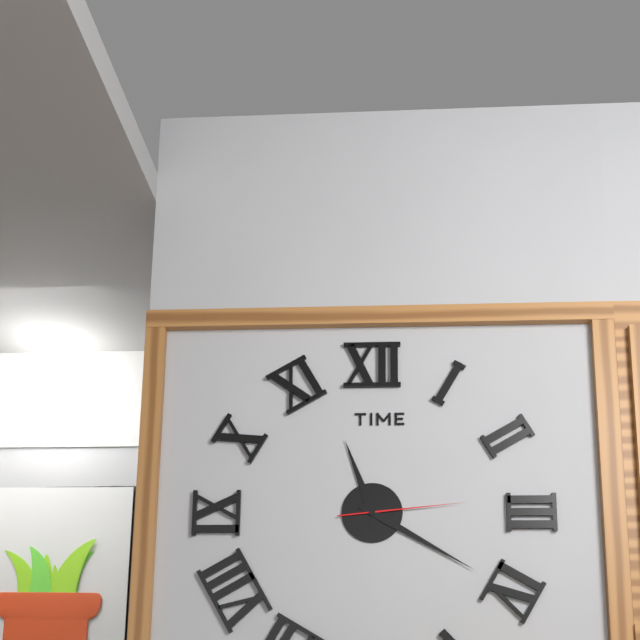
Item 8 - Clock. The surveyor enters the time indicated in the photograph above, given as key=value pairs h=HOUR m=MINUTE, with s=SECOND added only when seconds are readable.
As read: h=11 m=20 s=14
